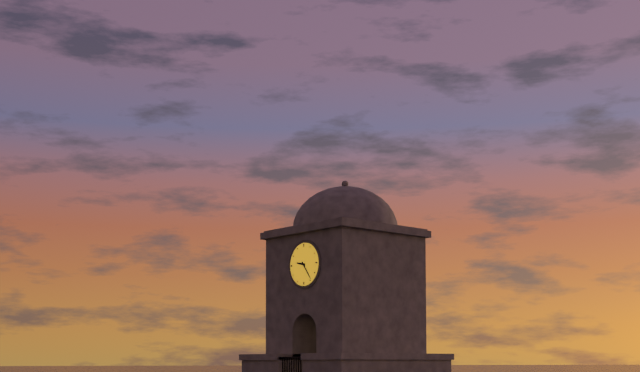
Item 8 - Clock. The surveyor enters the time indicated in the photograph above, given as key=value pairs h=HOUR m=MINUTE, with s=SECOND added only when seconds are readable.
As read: h=9 m=24
